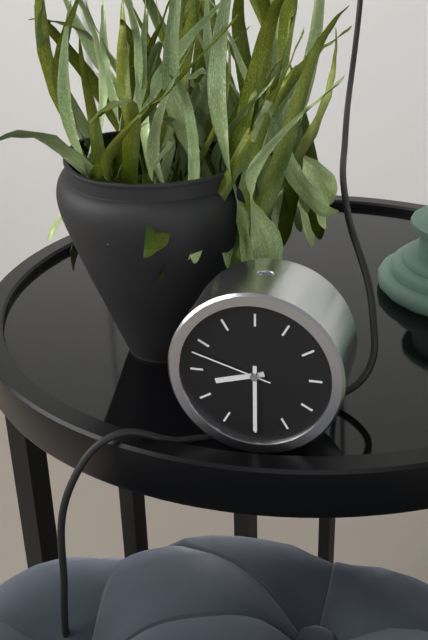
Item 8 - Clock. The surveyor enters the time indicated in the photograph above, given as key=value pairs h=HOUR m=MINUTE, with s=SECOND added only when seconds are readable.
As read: h=8 m=30 s=48
